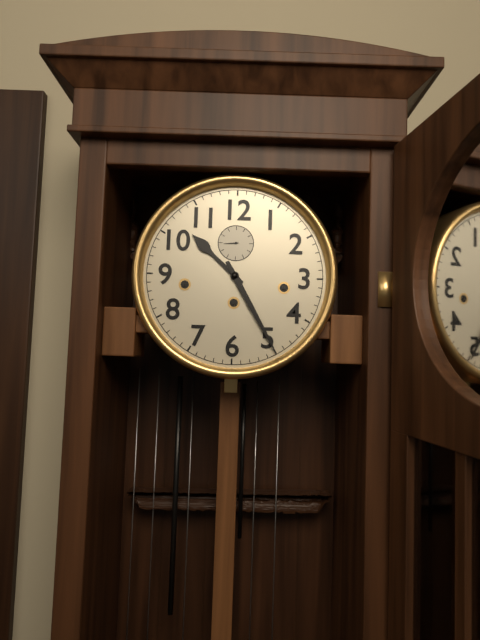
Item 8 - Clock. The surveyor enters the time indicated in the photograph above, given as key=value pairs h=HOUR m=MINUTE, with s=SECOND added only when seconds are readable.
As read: h=10 m=25
